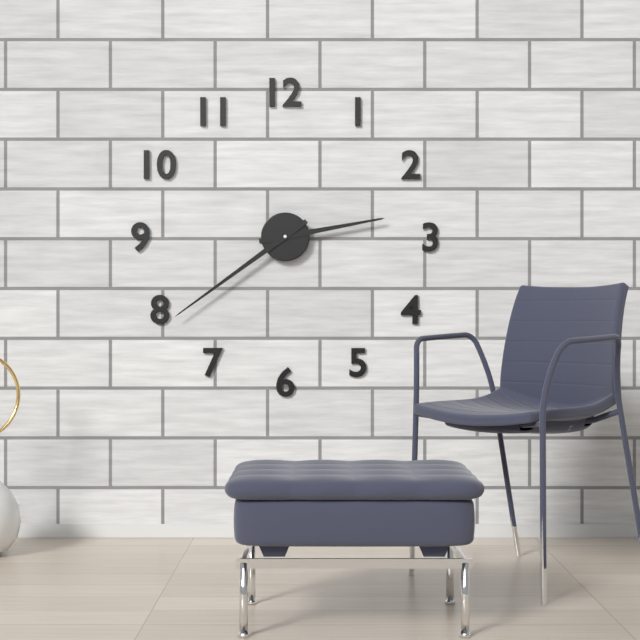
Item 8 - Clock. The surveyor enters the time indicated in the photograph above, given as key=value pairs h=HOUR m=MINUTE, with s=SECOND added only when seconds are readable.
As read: h=2 m=39
